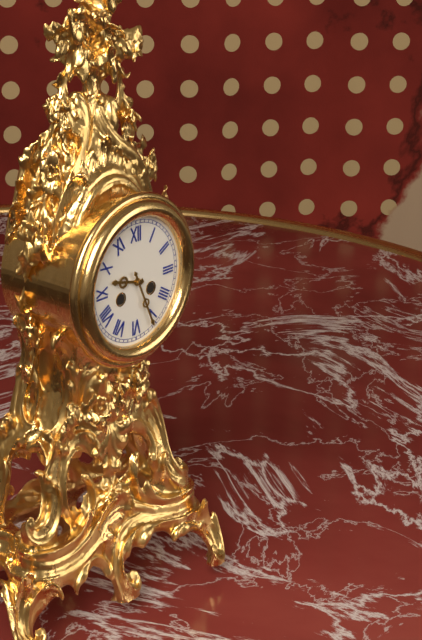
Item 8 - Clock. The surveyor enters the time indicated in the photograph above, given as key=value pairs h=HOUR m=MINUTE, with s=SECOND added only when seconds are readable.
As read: h=9 m=26
